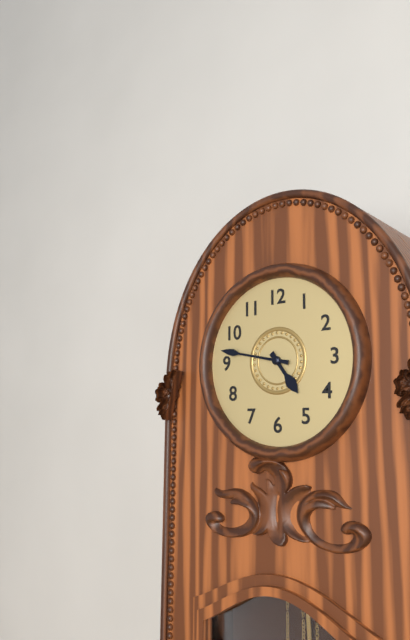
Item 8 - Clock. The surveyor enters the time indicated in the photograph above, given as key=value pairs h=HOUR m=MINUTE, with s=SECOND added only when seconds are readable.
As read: h=4 m=47
